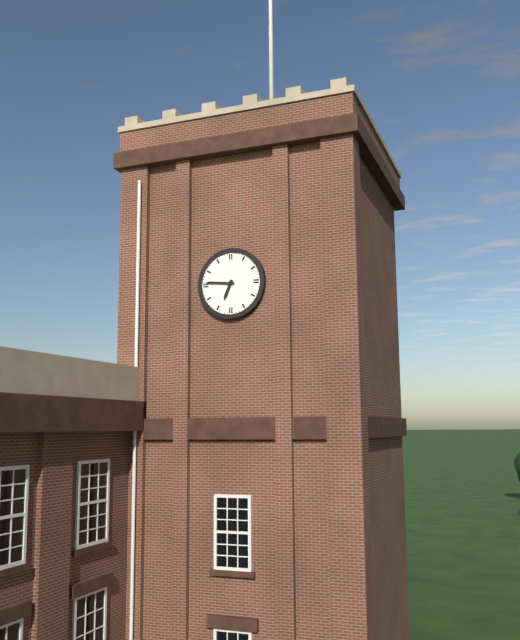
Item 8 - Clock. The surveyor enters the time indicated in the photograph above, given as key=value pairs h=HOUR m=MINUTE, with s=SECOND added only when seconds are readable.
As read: h=6 m=46
